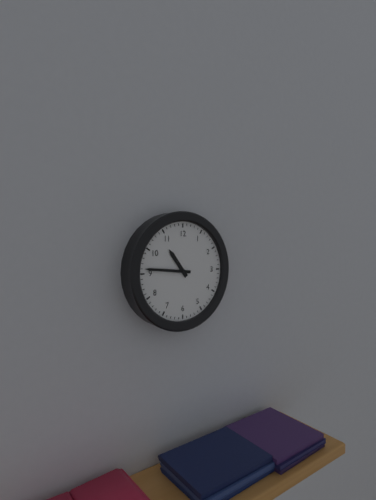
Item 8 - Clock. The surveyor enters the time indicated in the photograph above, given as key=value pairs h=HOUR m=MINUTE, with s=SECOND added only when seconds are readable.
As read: h=10 m=46
